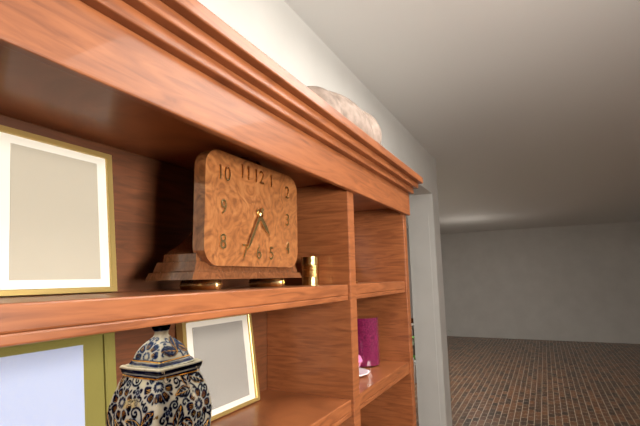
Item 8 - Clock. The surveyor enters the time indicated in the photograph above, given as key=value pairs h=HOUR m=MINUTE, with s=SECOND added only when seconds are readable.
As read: h=4 m=35
